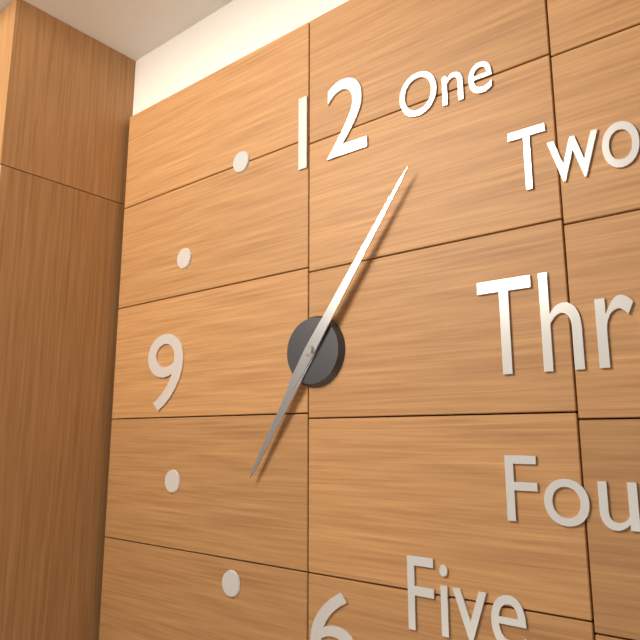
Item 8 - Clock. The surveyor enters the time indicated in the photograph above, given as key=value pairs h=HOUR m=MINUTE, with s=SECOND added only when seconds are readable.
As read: h=7 m=6
